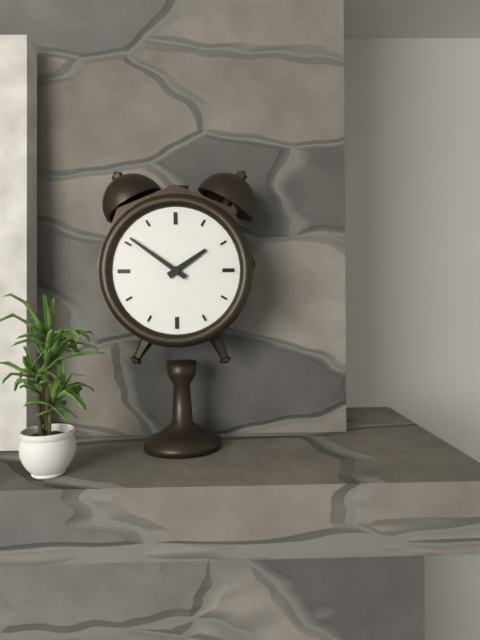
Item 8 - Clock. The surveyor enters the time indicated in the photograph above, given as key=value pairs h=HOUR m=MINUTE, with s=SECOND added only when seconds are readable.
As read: h=1 m=51
